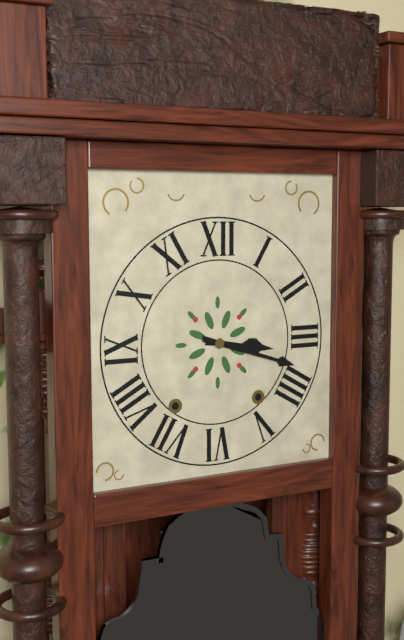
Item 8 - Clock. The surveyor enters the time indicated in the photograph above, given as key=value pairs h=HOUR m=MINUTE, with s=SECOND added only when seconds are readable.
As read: h=3 m=18
